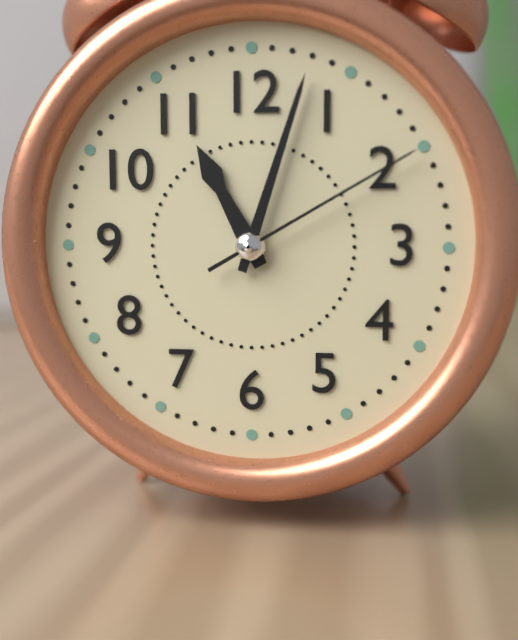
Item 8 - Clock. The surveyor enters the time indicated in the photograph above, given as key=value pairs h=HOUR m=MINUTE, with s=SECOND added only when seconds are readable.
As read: h=11 m=3 s=10
